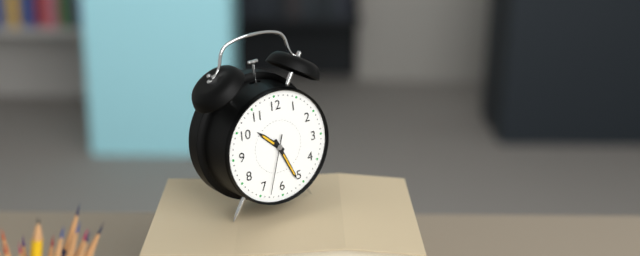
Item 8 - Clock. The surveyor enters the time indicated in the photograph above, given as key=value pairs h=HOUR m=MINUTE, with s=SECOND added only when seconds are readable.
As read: h=10 m=26 s=33
